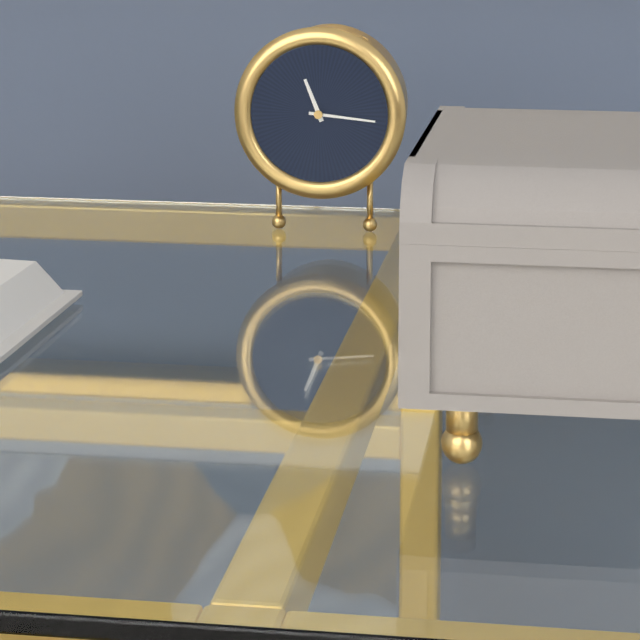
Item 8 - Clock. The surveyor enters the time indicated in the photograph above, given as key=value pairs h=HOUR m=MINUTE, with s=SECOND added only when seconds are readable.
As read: h=11 m=16
